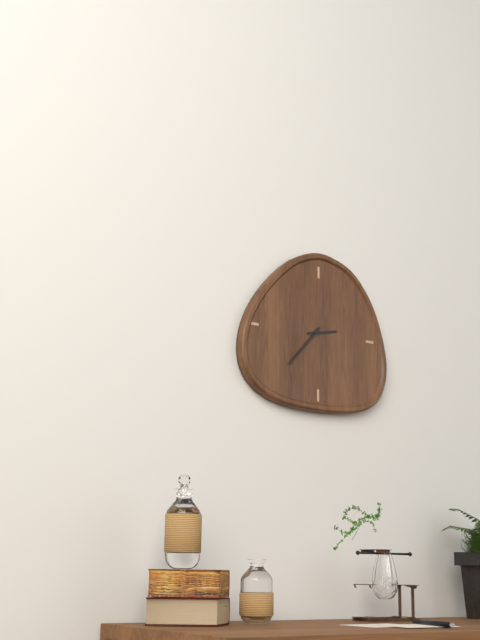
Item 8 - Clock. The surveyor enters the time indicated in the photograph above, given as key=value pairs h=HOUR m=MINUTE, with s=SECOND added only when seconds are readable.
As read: h=2 m=37
